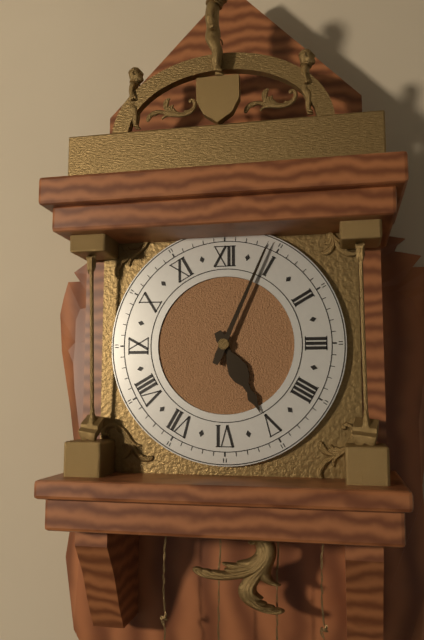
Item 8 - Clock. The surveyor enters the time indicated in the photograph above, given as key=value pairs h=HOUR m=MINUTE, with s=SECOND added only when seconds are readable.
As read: h=5 m=4
